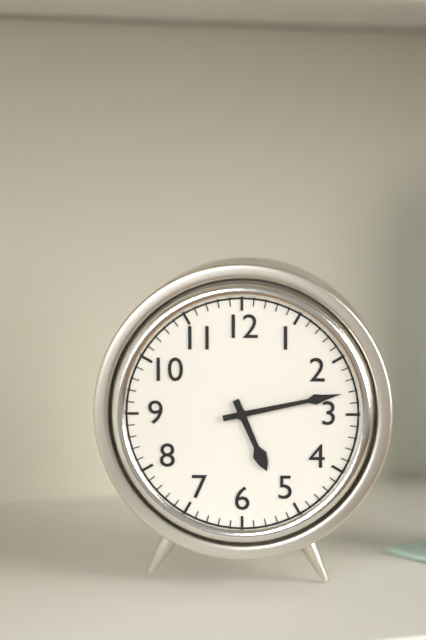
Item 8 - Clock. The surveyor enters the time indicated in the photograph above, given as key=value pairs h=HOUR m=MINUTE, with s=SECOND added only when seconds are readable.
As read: h=5 m=13
